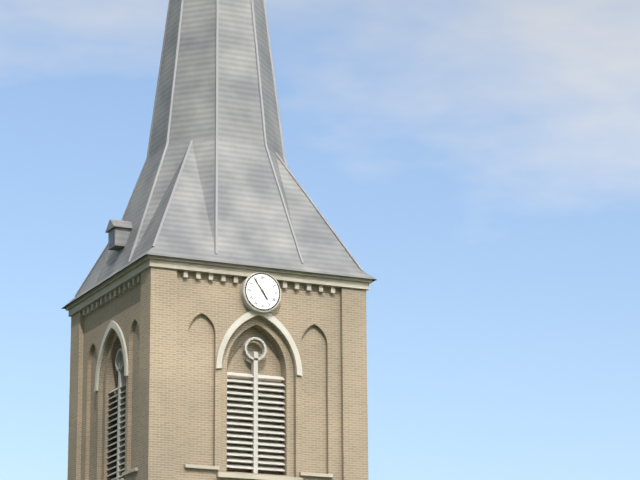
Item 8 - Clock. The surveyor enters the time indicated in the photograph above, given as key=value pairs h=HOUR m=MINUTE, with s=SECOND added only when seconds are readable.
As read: h=4 m=54
